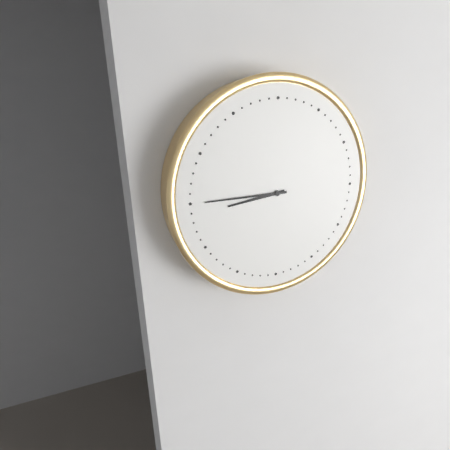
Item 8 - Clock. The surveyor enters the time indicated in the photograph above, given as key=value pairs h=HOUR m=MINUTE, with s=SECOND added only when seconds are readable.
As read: h=8 m=45
